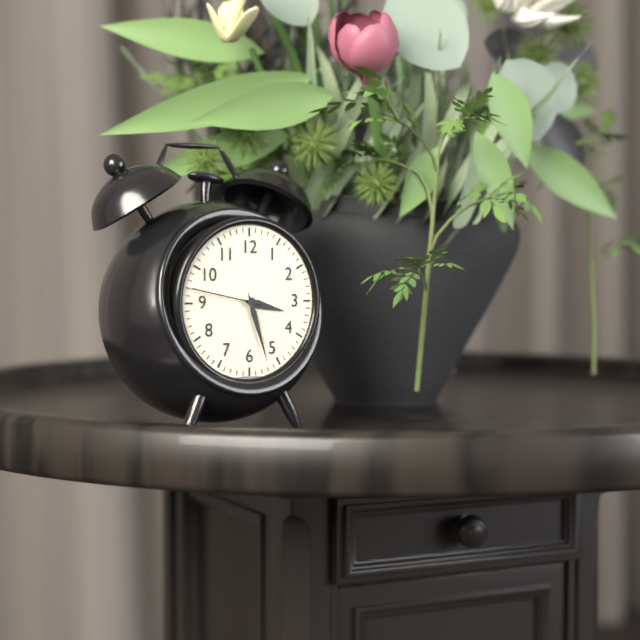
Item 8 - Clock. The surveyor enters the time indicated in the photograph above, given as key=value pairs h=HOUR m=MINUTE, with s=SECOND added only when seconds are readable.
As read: h=3 m=27 s=47
